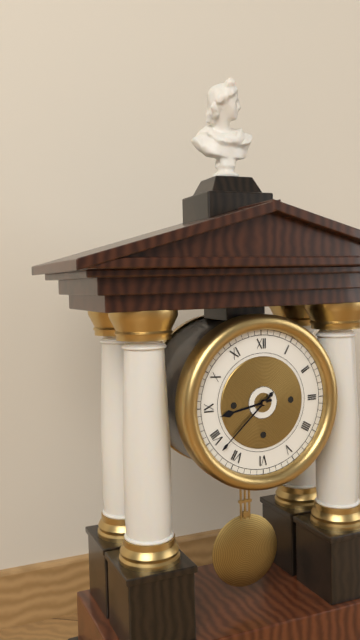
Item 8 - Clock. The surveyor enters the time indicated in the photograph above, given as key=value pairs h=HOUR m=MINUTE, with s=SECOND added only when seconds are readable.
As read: h=8 m=38
